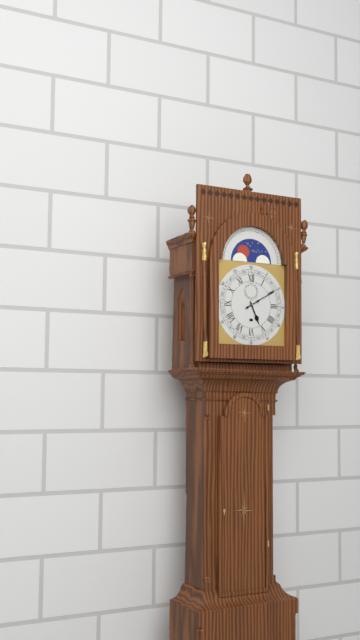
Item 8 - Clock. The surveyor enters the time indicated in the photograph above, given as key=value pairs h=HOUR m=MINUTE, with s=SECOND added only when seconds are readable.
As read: h=5 m=10
